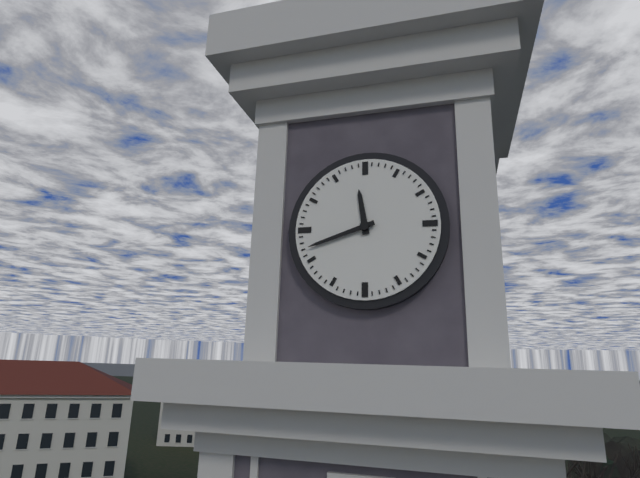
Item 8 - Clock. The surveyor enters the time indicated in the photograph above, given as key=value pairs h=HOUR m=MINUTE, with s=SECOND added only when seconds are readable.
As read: h=11 m=42
